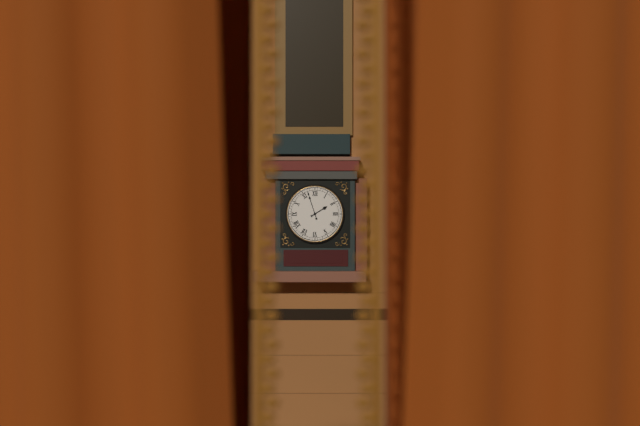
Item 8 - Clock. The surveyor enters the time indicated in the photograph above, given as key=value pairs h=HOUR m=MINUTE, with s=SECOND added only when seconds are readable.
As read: h=1 m=57
